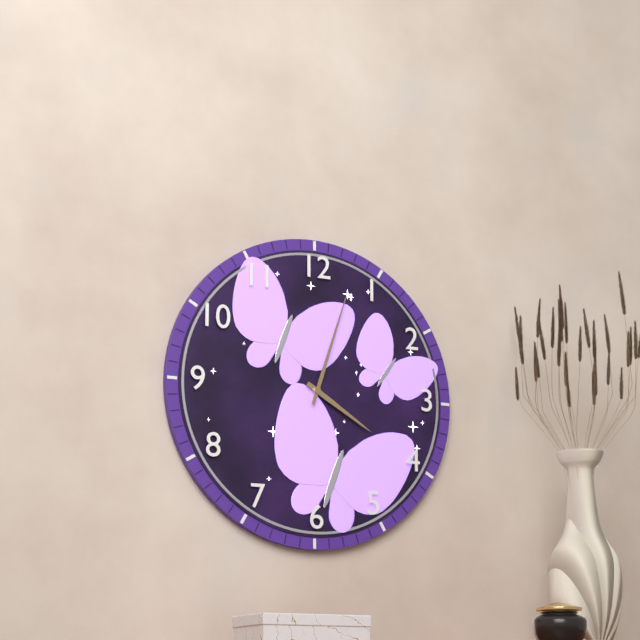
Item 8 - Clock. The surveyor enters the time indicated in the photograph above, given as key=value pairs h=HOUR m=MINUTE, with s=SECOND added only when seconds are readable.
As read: h=4 m=3
